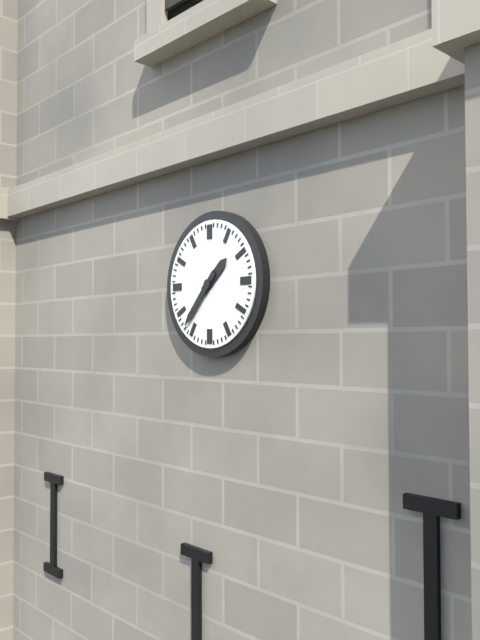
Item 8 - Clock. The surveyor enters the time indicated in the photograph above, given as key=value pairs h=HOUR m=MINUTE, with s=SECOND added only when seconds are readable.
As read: h=1 m=37
